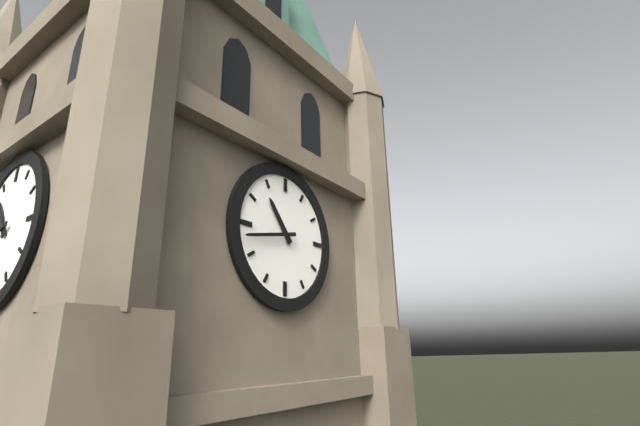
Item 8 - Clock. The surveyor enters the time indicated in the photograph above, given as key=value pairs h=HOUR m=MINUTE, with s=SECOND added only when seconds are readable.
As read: h=10 m=43
